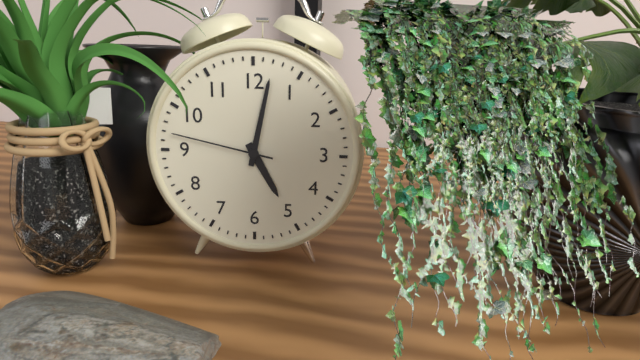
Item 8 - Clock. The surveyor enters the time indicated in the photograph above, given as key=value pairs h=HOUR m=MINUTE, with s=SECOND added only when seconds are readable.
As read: h=5 m=2 s=47
